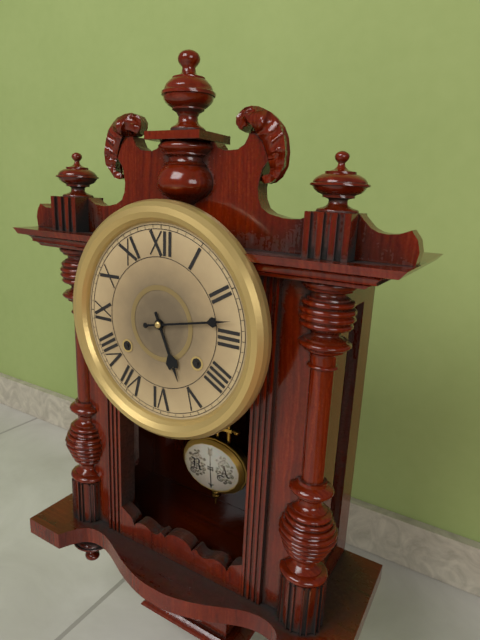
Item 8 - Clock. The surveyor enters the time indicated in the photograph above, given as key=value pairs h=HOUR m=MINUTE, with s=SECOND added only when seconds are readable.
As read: h=5 m=13
